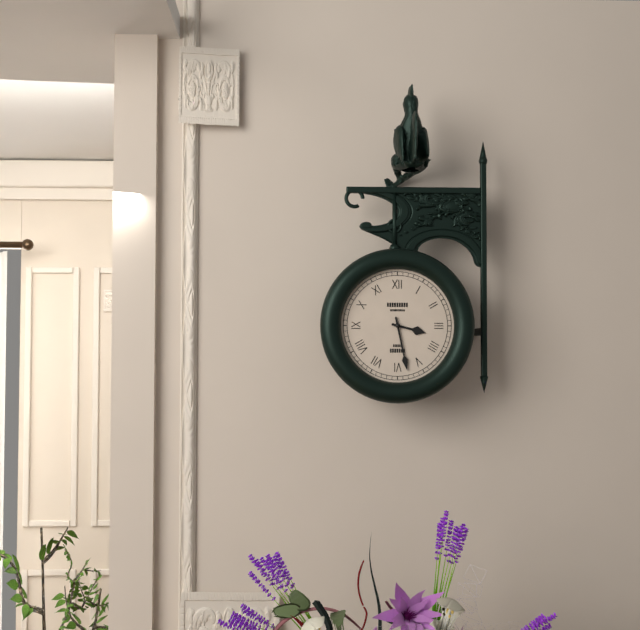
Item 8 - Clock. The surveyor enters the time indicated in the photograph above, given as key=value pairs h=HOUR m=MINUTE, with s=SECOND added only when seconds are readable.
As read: h=3 m=28
